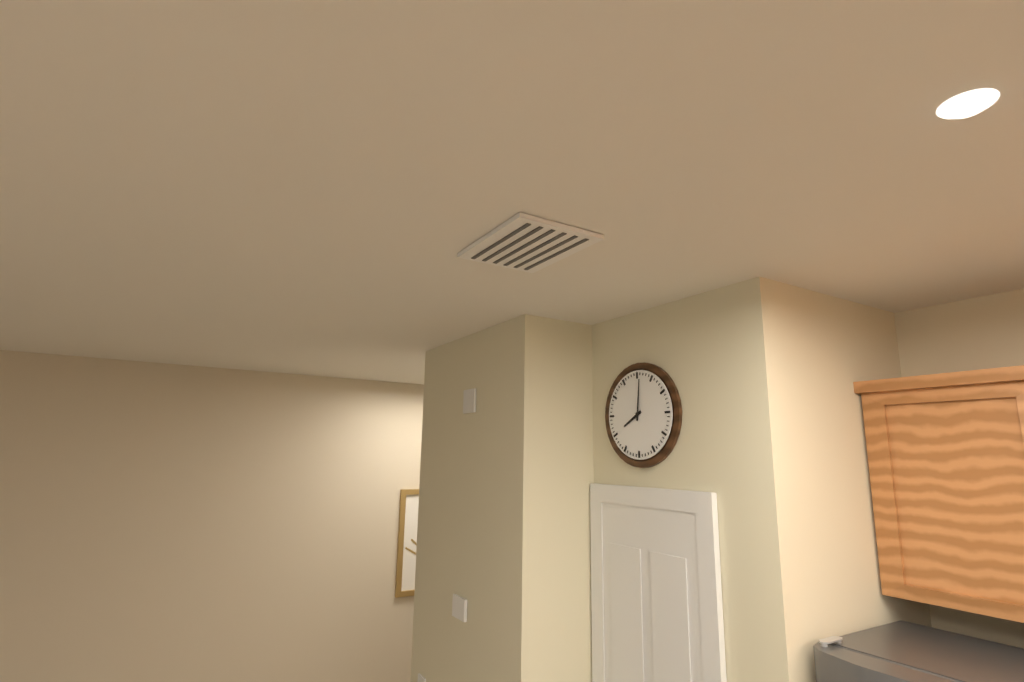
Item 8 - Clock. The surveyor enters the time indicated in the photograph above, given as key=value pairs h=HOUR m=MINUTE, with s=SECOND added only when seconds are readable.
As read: h=8 m=1
